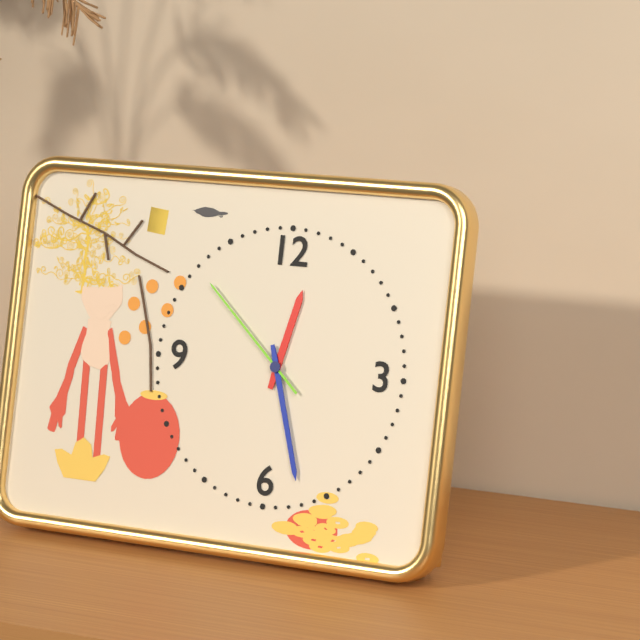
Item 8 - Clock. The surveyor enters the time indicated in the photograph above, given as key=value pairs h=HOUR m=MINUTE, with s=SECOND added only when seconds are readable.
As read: h=12 m=27 s=52
